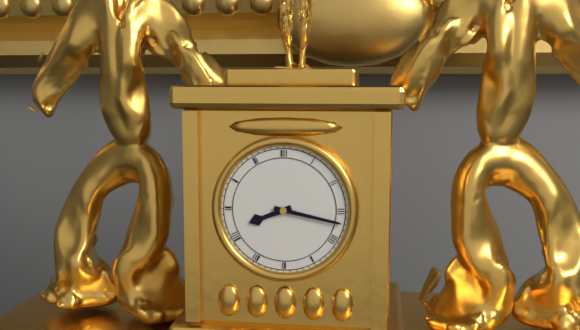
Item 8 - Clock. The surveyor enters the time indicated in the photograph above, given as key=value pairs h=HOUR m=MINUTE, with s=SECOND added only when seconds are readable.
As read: h=8 m=17
